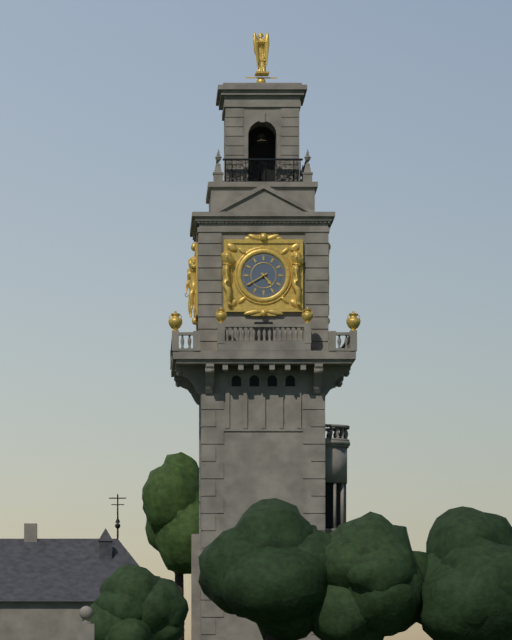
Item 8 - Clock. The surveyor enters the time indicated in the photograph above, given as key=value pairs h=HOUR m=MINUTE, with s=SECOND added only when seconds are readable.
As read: h=4 m=40
